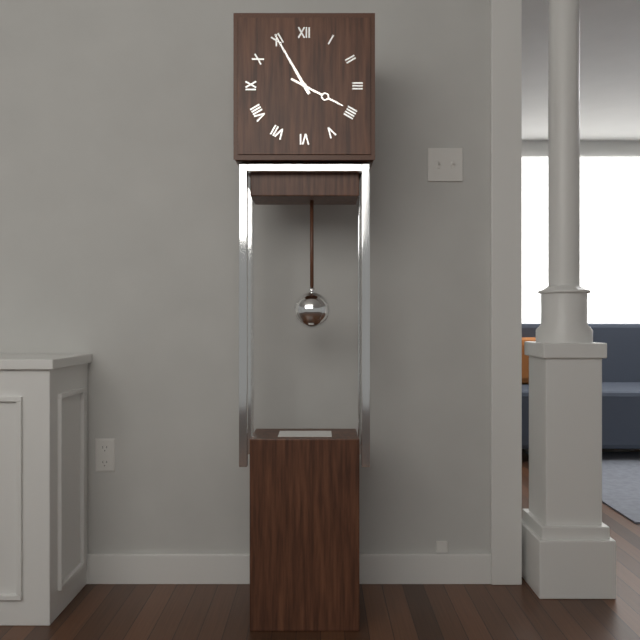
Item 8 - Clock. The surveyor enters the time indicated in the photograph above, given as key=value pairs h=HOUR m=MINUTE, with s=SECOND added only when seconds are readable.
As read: h=3 m=55
